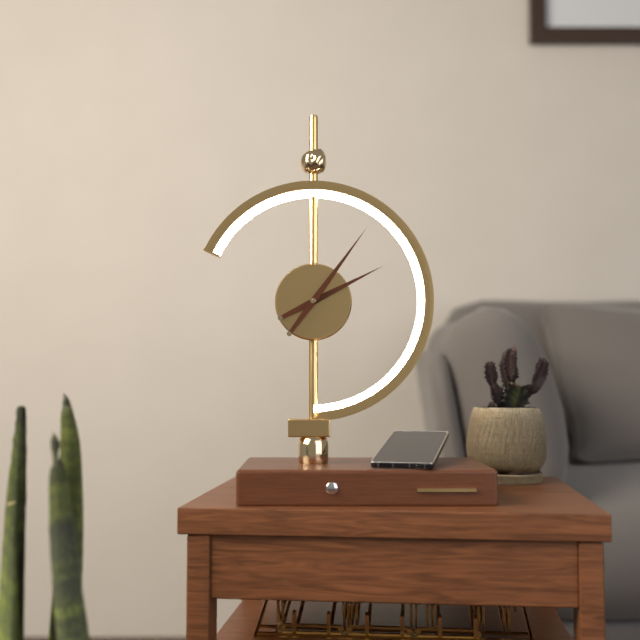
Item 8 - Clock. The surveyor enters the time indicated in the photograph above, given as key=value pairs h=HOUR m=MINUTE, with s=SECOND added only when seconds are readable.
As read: h=2 m=6
